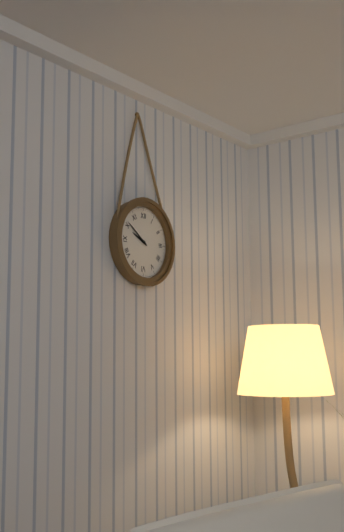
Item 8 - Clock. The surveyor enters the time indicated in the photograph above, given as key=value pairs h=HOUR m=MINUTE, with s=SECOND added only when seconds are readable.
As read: h=9 m=51
